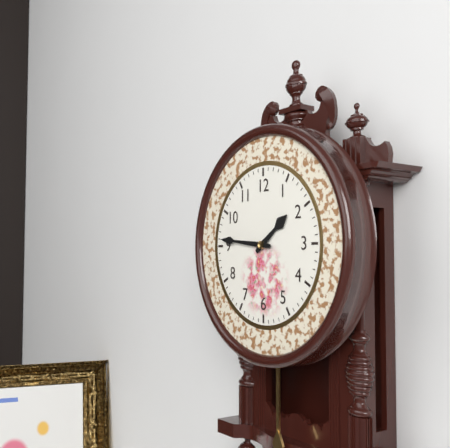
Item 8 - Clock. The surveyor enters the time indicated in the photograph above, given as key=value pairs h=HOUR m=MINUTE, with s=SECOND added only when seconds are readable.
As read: h=1 m=46
